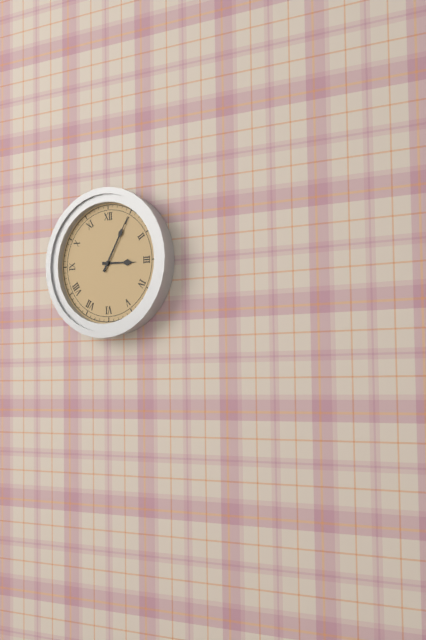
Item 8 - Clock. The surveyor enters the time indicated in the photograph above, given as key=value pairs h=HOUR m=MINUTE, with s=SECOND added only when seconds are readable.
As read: h=3 m=5
